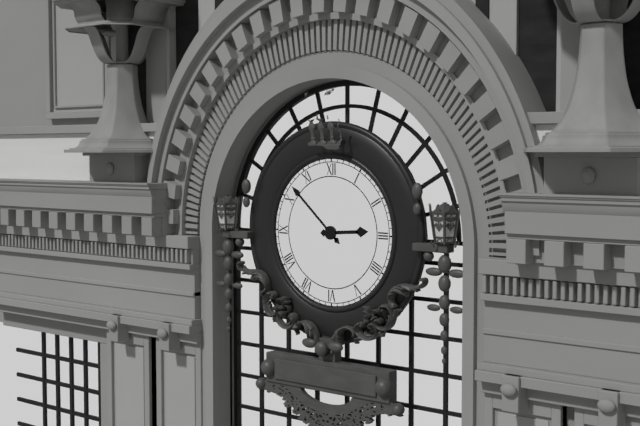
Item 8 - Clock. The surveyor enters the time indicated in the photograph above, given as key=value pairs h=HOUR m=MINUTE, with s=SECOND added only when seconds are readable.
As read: h=2 m=52
